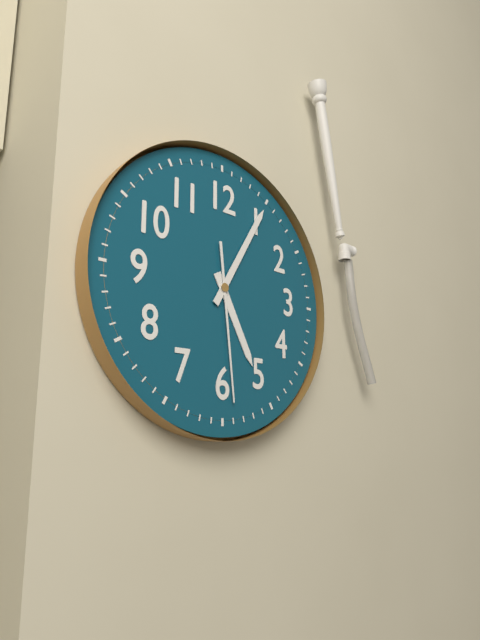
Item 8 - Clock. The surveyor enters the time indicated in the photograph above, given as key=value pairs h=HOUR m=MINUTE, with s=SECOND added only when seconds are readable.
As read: h=5 m=5 s=29
